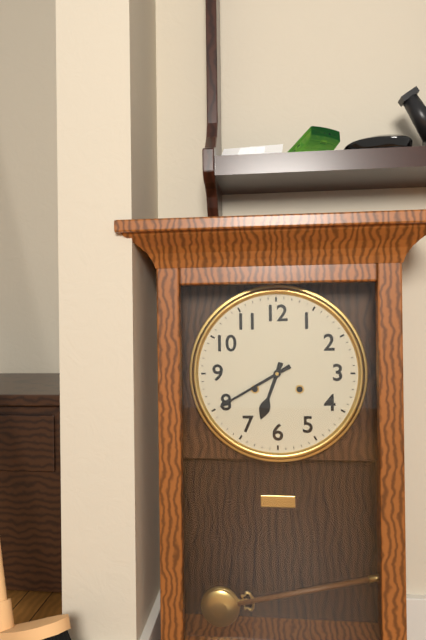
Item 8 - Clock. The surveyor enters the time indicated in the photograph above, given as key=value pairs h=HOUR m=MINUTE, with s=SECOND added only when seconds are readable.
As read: h=6 m=40
